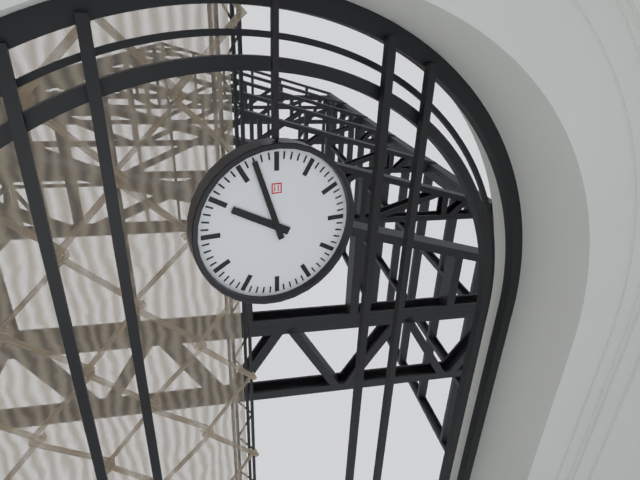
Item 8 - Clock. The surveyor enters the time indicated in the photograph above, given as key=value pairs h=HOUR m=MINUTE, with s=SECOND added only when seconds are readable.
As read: h=9 m=57
